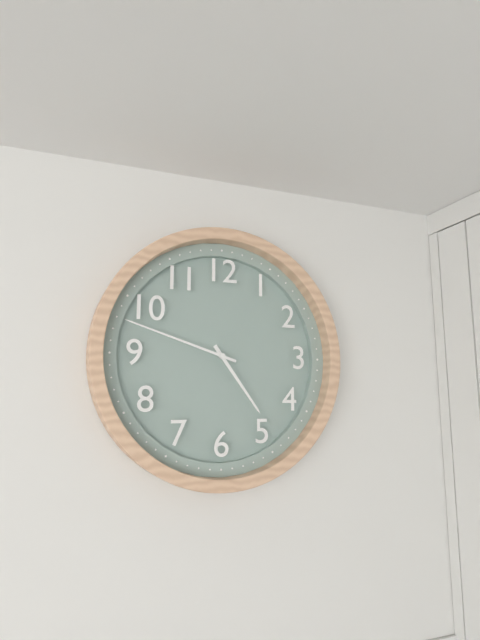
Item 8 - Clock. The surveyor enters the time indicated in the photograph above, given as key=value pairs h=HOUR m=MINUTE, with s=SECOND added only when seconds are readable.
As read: h=4 m=48
